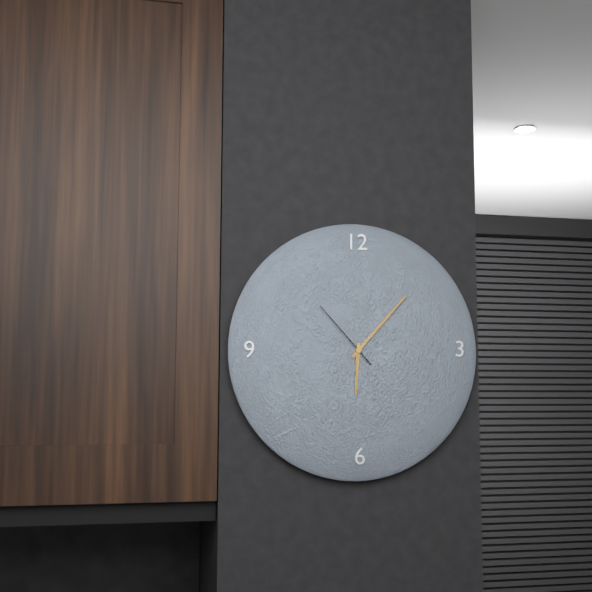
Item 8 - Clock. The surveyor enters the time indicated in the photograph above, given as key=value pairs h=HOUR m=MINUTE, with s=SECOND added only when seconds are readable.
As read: h=6 m=7 s=53
